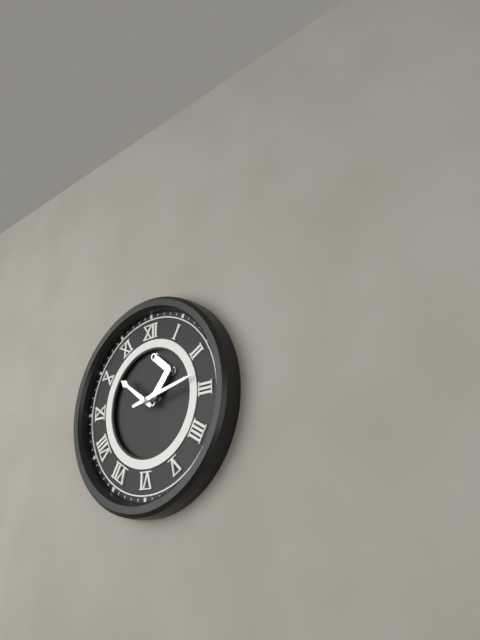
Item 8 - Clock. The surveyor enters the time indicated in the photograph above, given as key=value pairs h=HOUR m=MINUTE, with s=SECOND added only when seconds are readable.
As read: h=10 m=13
